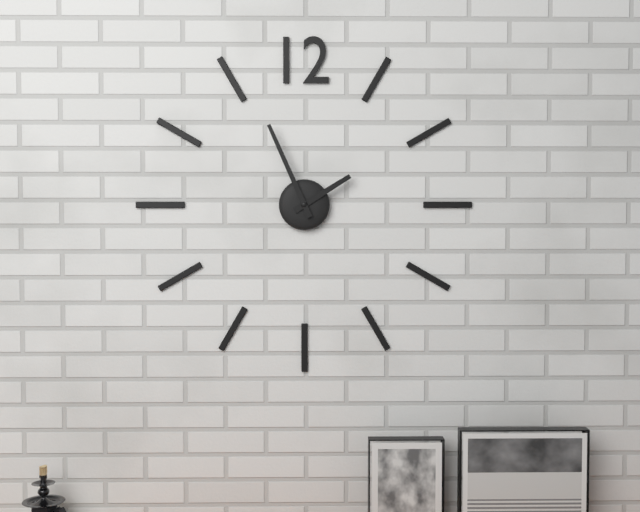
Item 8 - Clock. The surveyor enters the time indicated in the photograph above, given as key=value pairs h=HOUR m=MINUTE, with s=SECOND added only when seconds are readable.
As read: h=1 m=56
